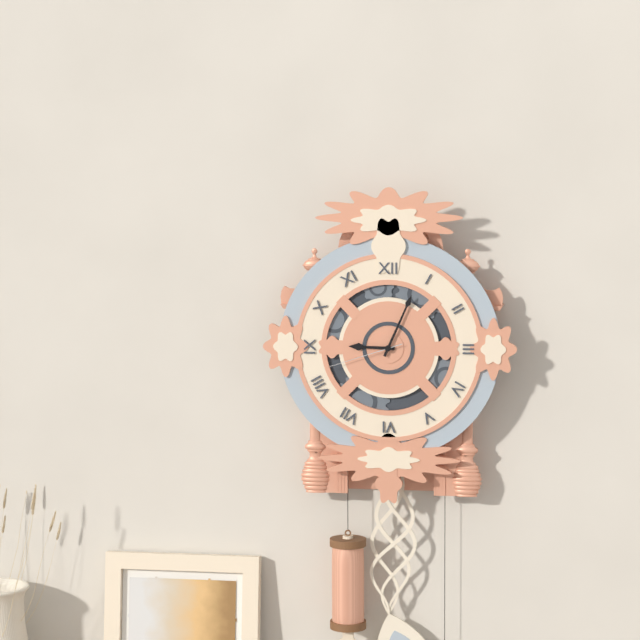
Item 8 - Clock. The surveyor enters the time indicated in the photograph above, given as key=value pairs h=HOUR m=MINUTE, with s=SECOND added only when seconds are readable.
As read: h=9 m=4 s=42
